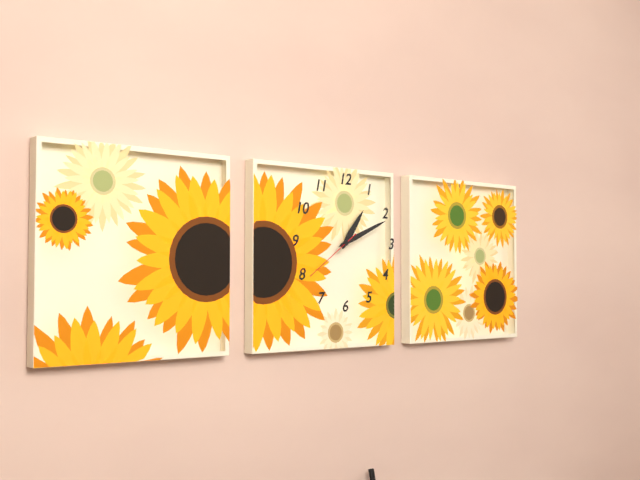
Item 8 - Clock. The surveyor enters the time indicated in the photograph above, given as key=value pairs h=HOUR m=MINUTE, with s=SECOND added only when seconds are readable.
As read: h=1 m=11 s=39
